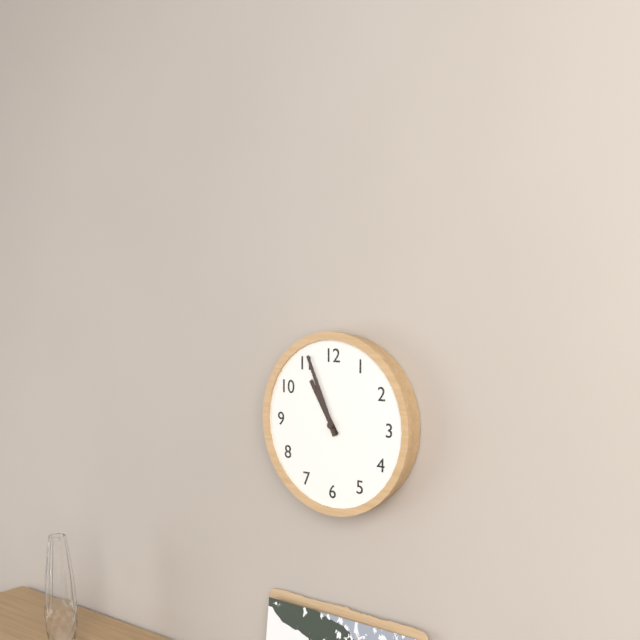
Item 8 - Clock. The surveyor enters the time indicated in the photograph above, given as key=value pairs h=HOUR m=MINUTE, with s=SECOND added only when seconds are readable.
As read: h=10 m=56
